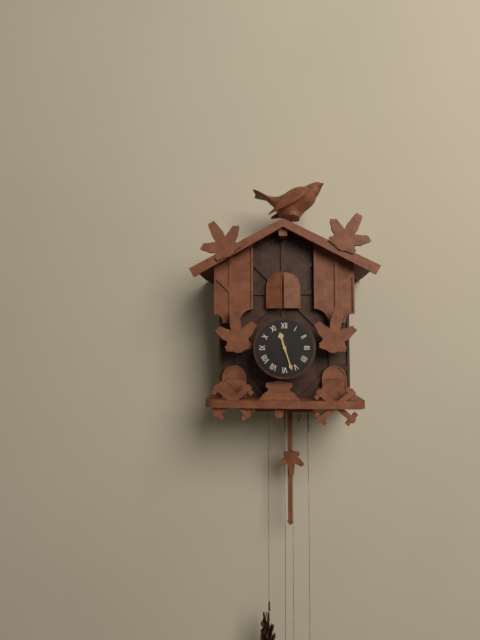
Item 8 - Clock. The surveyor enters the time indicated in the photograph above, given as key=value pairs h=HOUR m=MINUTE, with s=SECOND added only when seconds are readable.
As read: h=11 m=27
